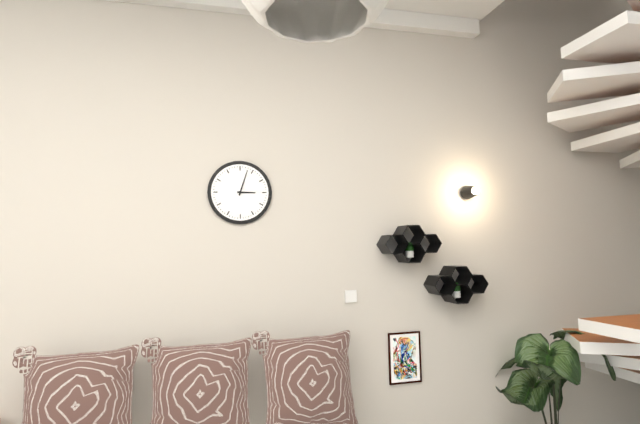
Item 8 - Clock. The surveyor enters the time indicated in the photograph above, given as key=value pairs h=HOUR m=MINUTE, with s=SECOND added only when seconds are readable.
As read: h=3 m=3
